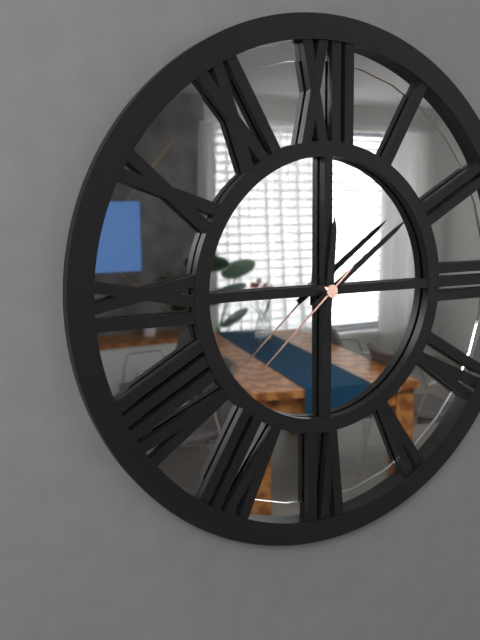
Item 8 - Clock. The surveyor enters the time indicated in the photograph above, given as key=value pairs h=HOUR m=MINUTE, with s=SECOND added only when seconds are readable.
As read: h=12 m=9 s=38
